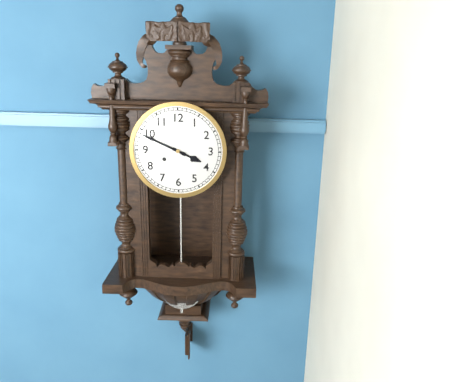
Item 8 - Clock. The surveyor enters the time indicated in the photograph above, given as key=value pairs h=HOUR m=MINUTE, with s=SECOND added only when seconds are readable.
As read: h=3 m=49
